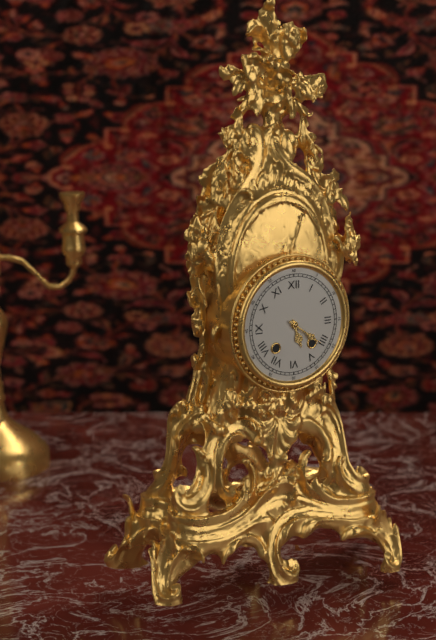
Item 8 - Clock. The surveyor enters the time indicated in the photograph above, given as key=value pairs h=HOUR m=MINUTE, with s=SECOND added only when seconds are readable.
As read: h=5 m=21
